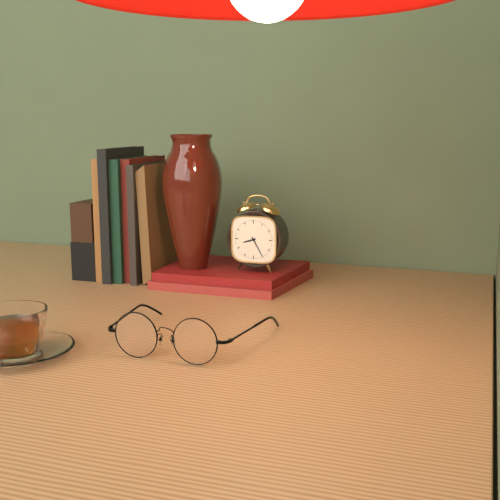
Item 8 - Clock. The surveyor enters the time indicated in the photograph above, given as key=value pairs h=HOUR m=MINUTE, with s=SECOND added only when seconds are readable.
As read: h=8 m=25
